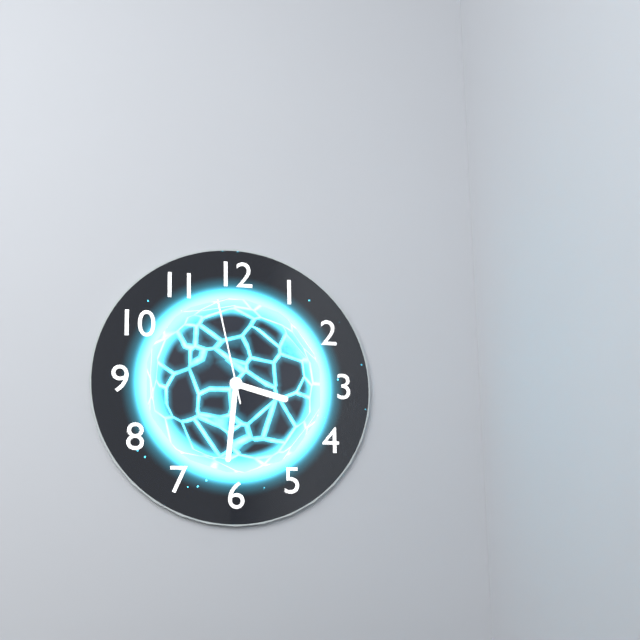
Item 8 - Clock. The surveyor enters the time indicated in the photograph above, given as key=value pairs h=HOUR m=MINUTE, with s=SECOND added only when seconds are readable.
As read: h=3 m=31 s=58
